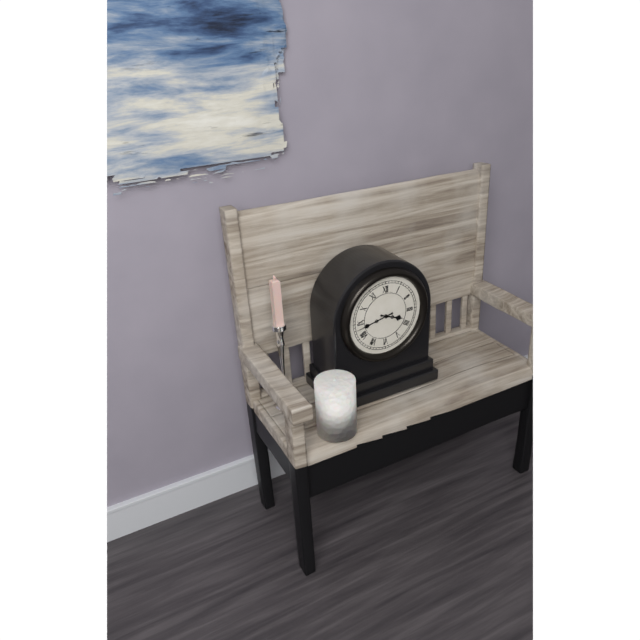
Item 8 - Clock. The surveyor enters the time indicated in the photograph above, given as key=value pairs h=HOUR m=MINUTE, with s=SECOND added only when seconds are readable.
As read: h=3 m=43
